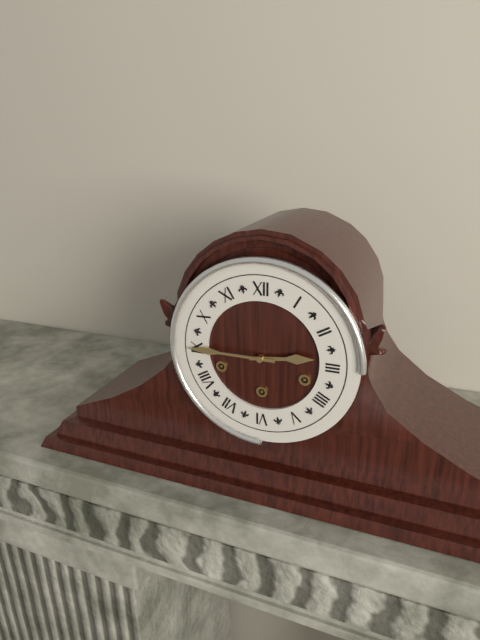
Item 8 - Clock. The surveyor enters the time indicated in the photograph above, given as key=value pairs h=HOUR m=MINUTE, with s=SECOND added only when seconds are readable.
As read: h=2 m=45
